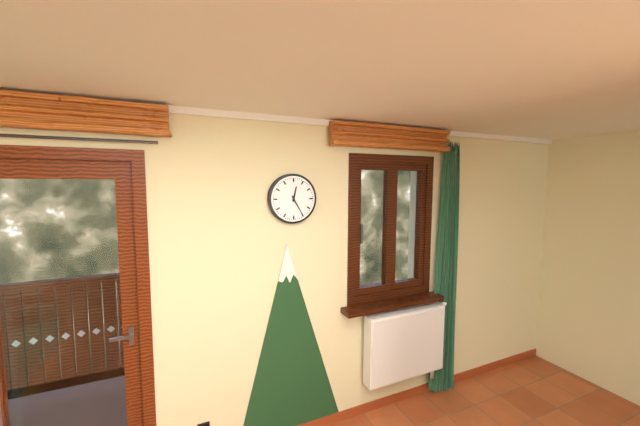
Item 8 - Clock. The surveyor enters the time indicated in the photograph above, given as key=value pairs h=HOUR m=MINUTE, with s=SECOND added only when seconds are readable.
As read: h=12 m=25
